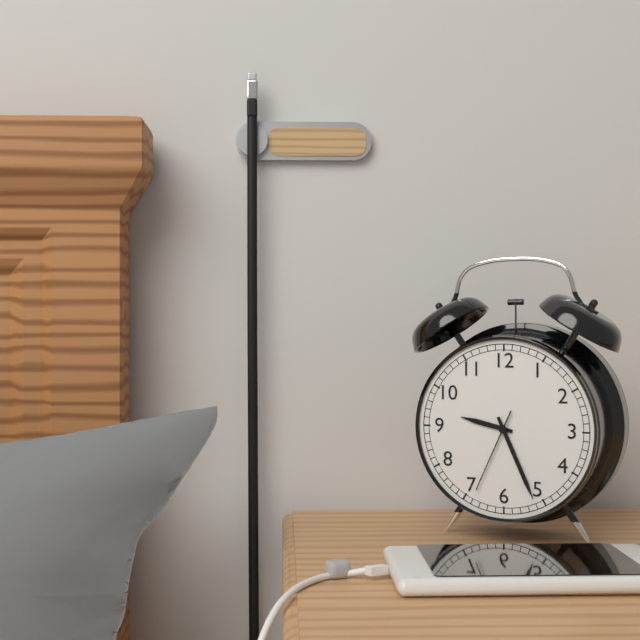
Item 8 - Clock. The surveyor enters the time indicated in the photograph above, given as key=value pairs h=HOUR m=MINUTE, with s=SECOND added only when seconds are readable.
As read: h=9 m=26 s=34
